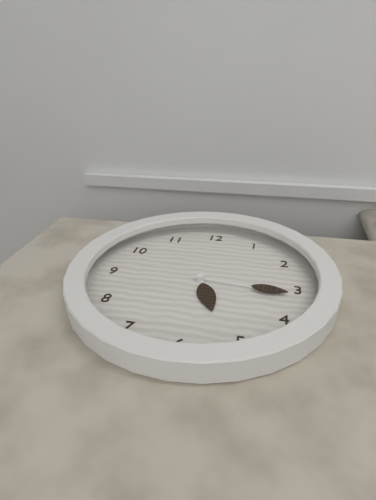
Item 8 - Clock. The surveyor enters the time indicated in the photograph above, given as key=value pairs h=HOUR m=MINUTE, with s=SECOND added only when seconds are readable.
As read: h=5 m=16
